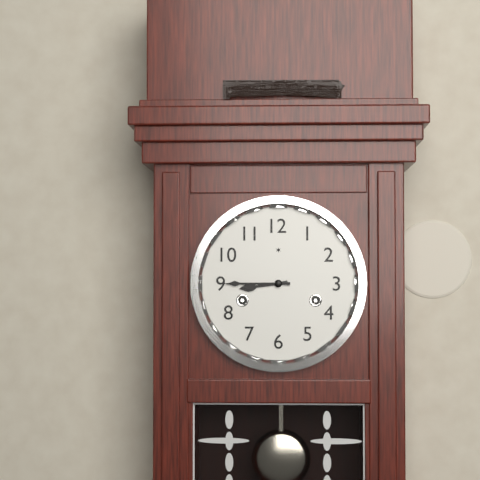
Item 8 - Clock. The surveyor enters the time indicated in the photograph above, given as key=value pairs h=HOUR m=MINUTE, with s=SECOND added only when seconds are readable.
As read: h=8 m=45
